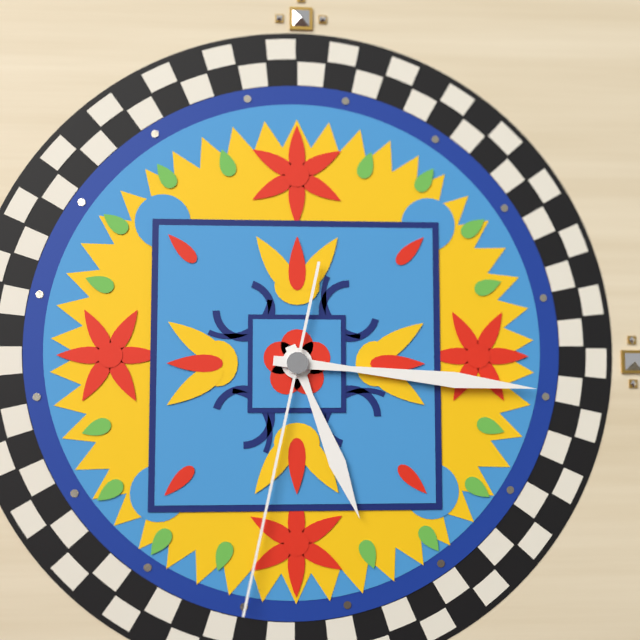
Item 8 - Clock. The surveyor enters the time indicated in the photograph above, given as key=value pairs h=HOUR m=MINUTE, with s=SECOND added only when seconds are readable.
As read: h=5 m=16 s=32
